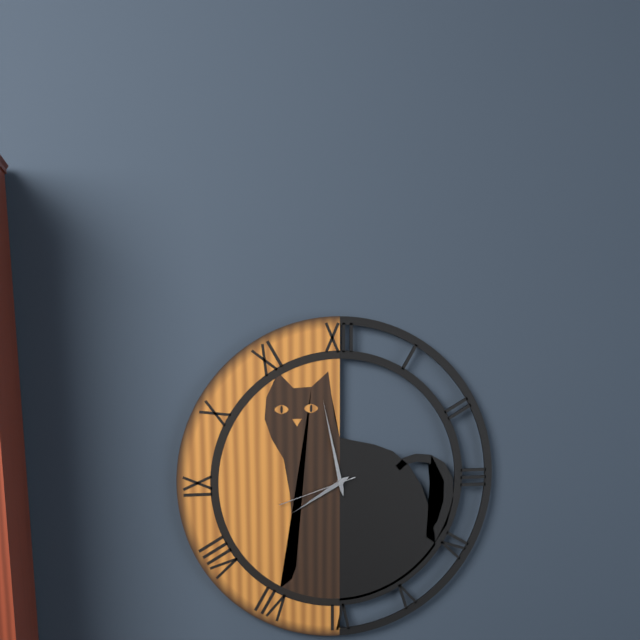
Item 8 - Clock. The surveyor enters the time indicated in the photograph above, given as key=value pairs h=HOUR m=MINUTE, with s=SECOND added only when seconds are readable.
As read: h=7 m=58 s=42
